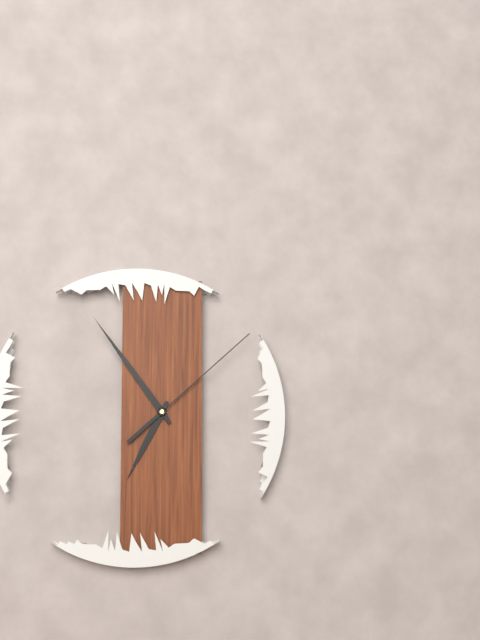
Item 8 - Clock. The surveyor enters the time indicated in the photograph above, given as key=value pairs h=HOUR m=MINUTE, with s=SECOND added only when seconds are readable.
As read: h=6 m=54 s=8
